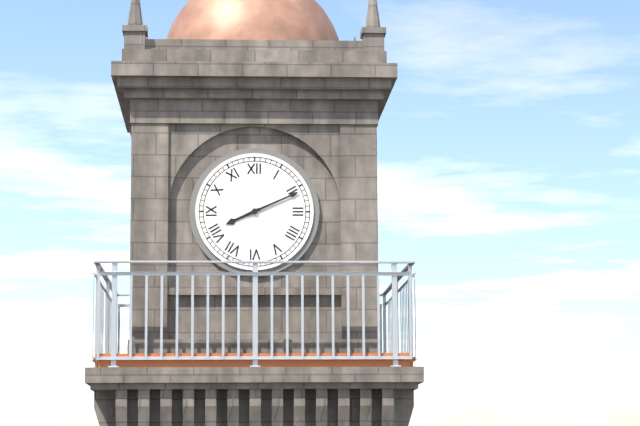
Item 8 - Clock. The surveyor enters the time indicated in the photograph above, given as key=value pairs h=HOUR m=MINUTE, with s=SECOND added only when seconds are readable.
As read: h=8 m=11
